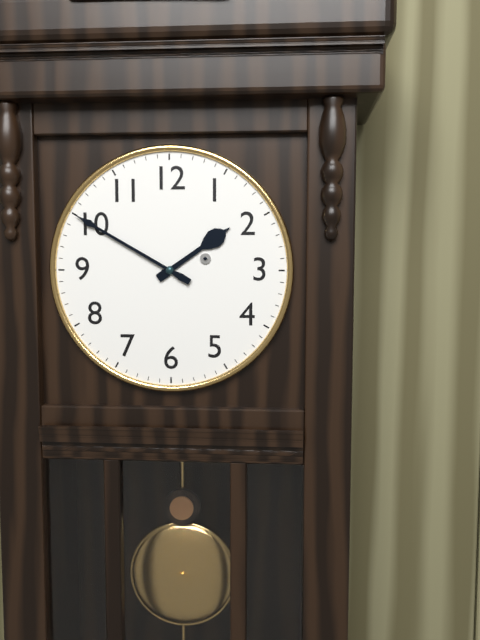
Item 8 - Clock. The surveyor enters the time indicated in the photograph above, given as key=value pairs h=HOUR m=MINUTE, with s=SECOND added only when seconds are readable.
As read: h=1 m=50
